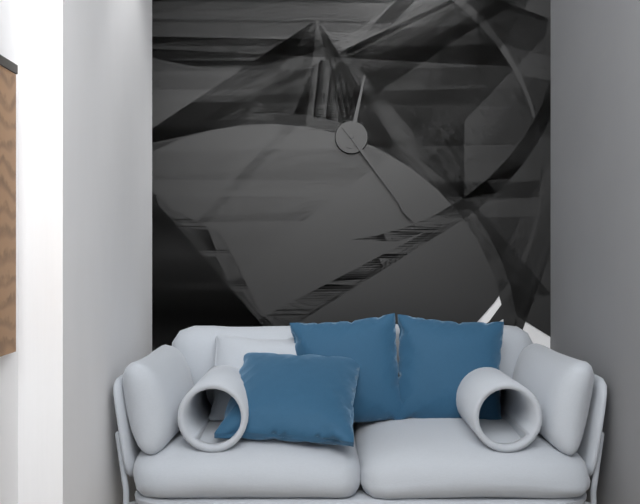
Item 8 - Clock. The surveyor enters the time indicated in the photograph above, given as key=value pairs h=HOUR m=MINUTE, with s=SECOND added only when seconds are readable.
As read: h=12 m=24
